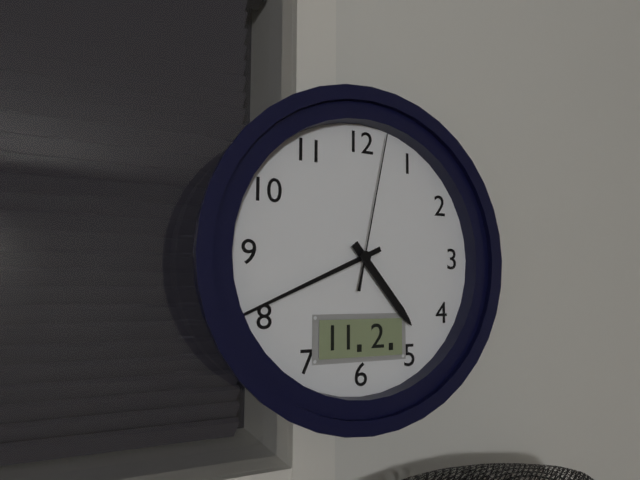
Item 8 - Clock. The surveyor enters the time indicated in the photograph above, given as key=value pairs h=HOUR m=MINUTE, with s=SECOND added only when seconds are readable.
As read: h=4 m=41 s=2
